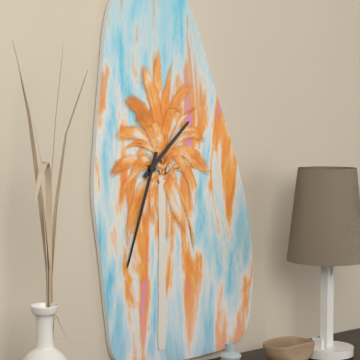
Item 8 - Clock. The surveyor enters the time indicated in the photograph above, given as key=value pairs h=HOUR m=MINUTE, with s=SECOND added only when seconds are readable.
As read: h=1 m=33
